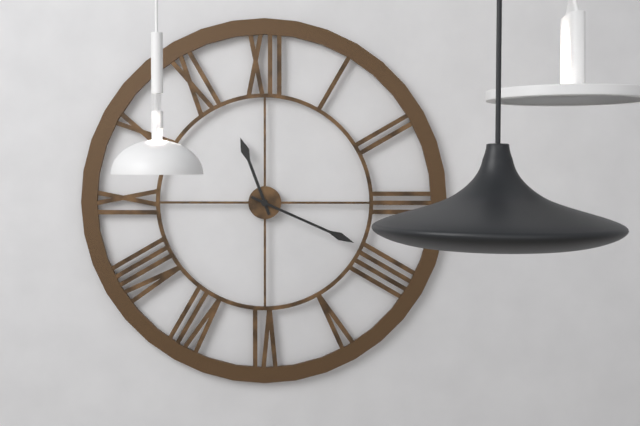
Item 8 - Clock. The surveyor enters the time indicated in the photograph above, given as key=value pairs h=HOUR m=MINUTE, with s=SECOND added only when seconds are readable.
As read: h=11 m=19
